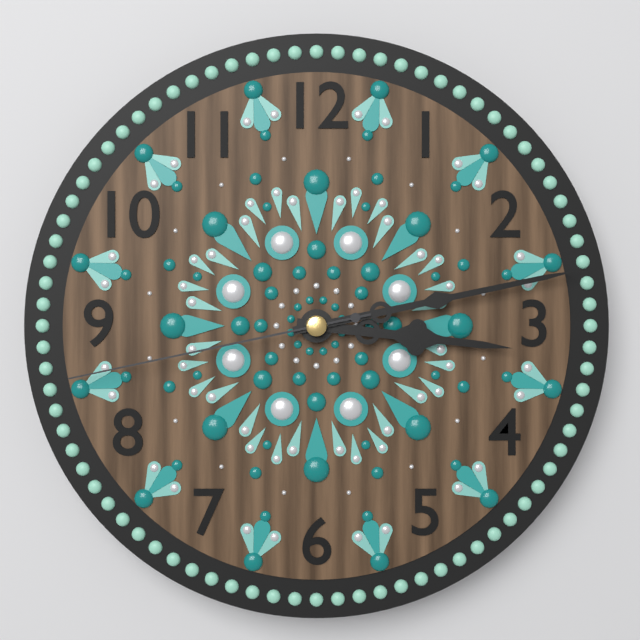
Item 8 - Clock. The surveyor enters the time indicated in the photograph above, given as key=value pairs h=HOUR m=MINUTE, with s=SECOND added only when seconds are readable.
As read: h=3 m=13 s=43
